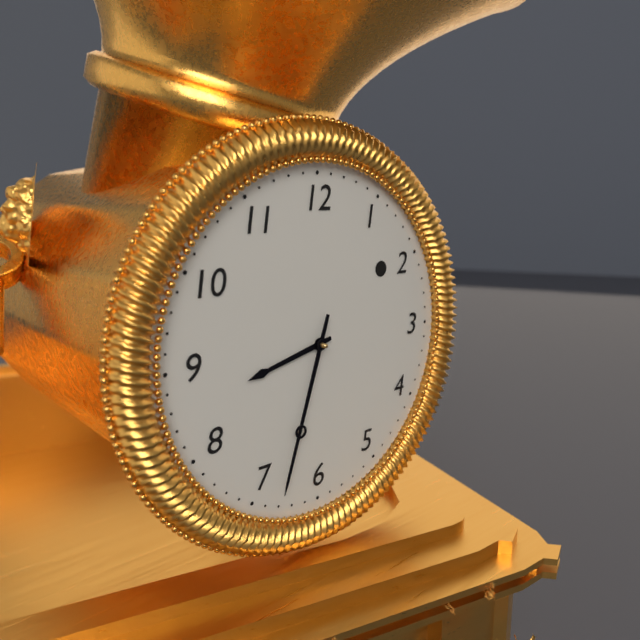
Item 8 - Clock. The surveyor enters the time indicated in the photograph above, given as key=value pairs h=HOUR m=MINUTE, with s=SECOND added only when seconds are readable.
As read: h=8 m=33
